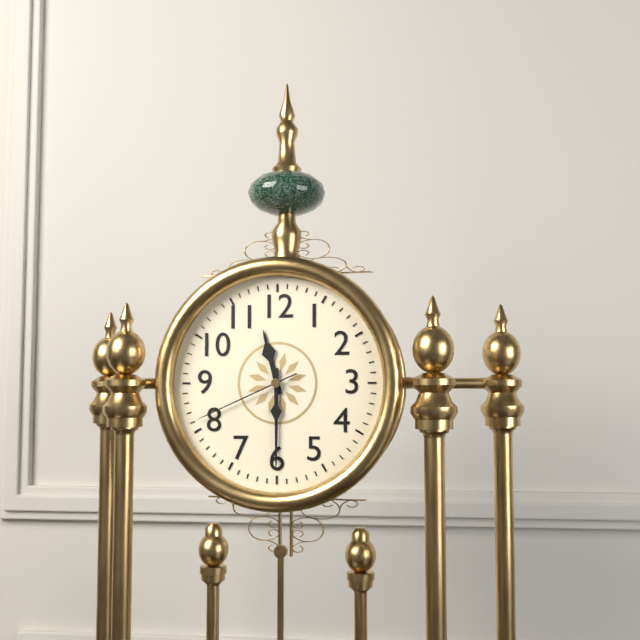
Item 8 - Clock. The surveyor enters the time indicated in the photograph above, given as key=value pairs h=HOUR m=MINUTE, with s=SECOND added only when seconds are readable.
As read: h=11 m=30 s=41
